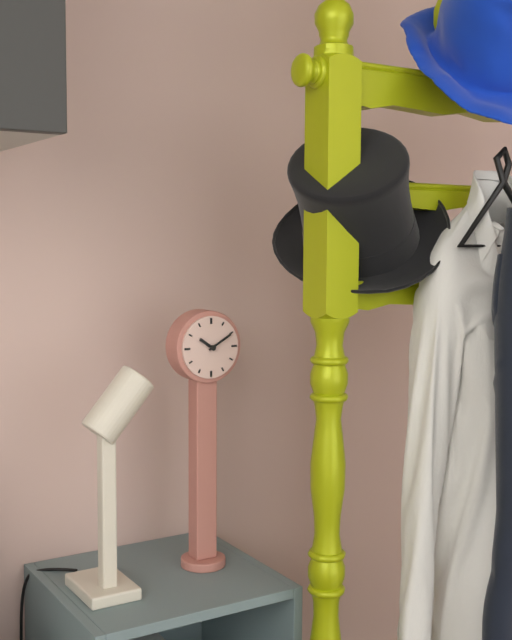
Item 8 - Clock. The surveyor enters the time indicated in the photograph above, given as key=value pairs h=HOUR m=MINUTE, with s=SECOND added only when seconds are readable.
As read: h=10 m=10
